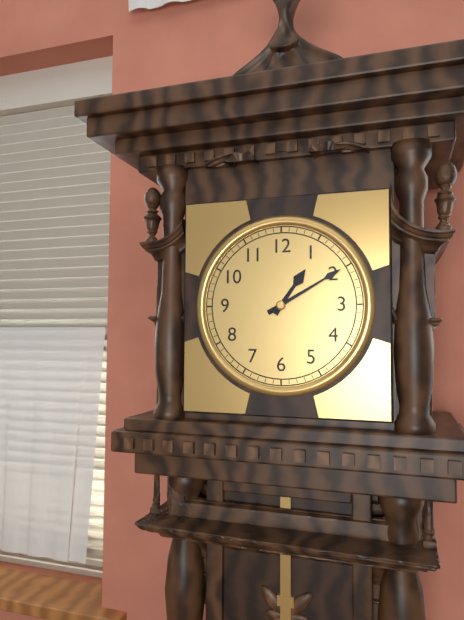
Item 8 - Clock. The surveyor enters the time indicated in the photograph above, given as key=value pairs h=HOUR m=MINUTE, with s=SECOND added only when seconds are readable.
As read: h=1 m=10
